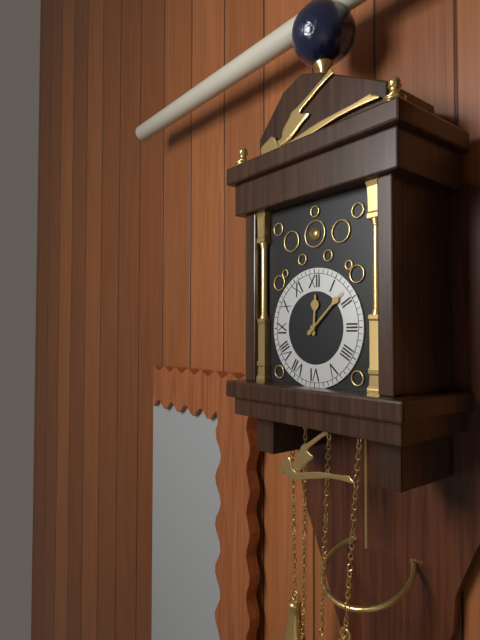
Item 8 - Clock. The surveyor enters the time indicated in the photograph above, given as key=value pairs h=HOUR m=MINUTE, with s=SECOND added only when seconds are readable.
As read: h=12 m=8
